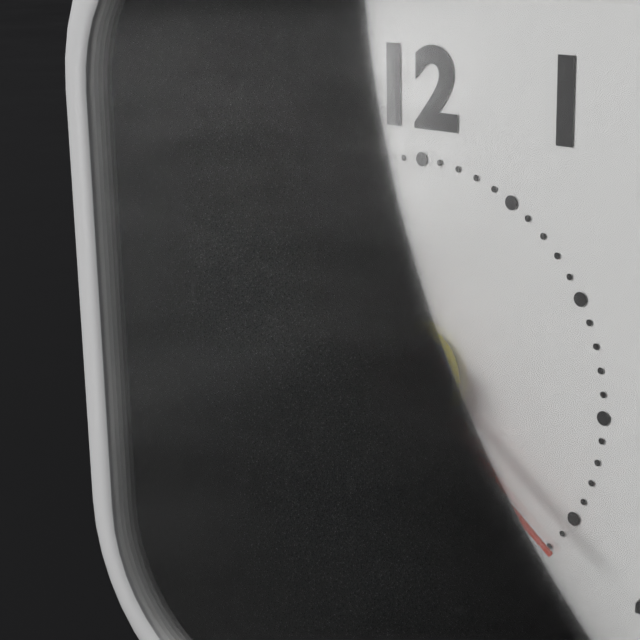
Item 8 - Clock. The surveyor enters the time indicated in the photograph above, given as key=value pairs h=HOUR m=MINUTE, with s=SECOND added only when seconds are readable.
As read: h=9 m=30 s=21
